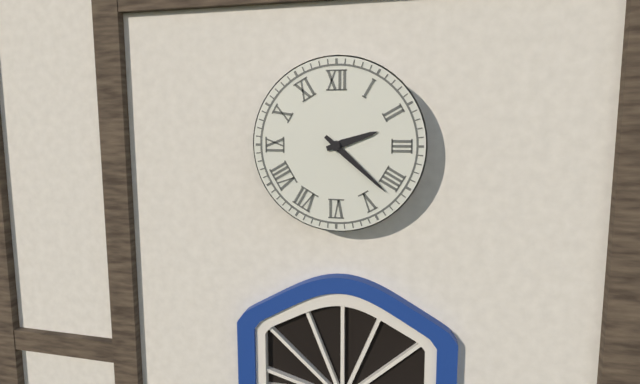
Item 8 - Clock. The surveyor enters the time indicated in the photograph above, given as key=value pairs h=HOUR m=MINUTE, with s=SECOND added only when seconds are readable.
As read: h=2 m=22
